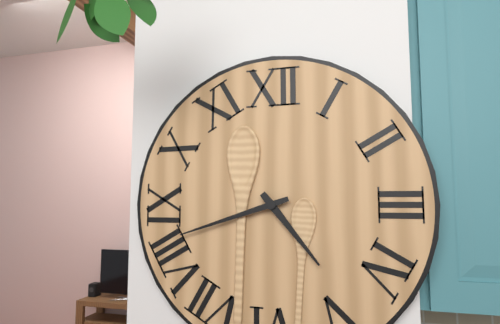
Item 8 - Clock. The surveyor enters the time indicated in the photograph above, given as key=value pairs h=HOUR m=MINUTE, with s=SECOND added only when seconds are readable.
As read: h=4 m=42
